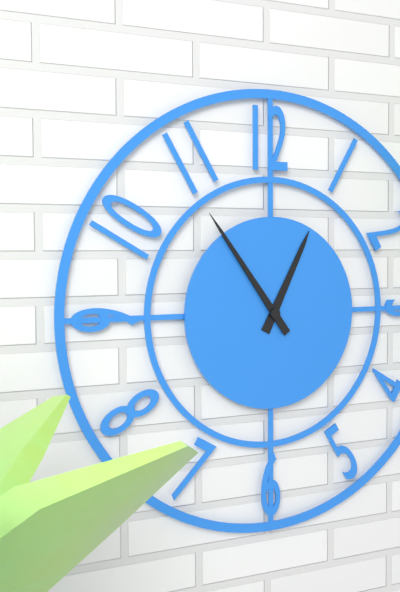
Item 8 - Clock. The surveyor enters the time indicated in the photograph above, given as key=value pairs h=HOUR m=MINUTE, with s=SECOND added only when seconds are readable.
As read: h=12 m=54
